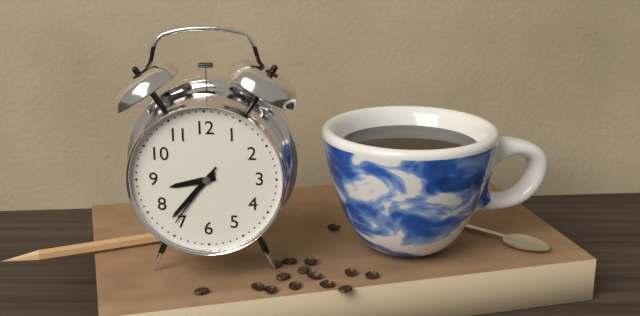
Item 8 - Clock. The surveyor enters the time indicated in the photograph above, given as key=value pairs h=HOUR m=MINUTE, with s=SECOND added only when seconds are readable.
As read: h=8 m=37 s=36
